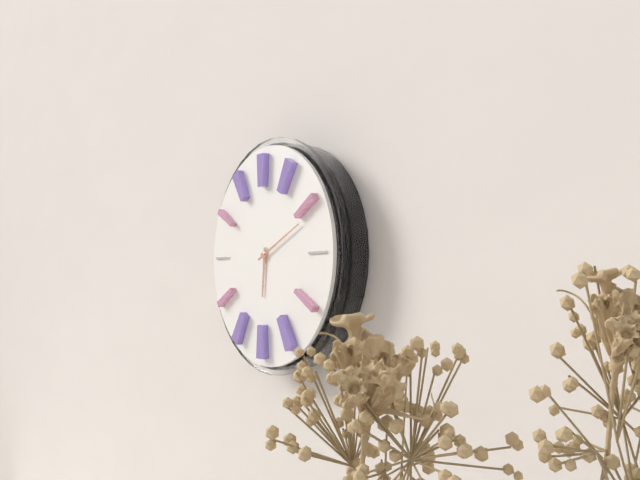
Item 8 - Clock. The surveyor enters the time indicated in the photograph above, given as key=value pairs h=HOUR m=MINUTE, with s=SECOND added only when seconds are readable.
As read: h=6 m=11
